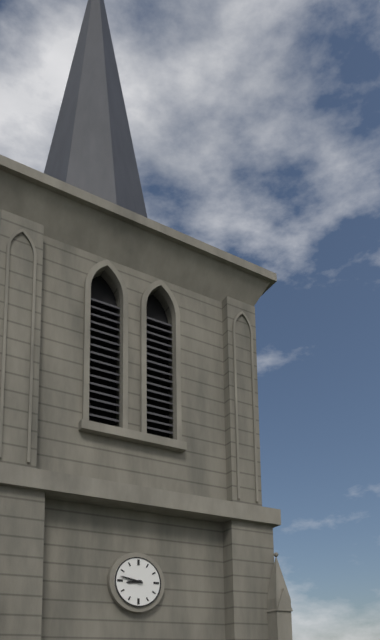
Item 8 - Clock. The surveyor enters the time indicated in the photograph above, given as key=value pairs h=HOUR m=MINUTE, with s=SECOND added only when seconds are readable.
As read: h=8 m=47
